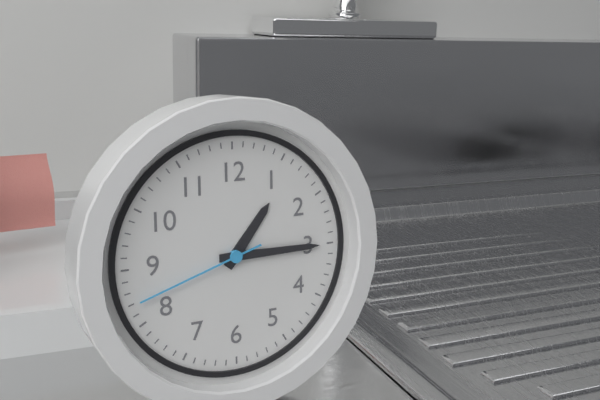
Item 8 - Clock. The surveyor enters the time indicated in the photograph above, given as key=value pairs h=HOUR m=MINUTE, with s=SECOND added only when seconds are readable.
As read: h=1 m=15 s=42
